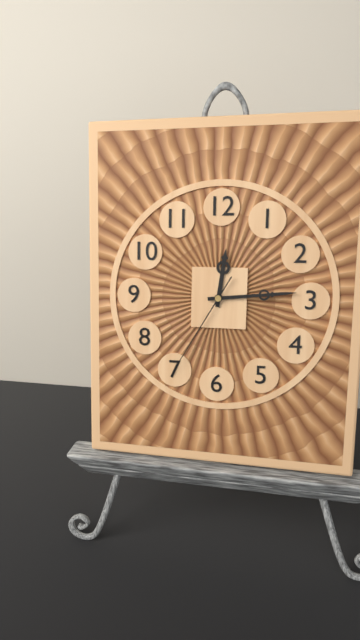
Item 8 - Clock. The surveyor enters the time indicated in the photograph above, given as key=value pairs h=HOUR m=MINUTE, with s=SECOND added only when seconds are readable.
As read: h=12 m=14 s=35
